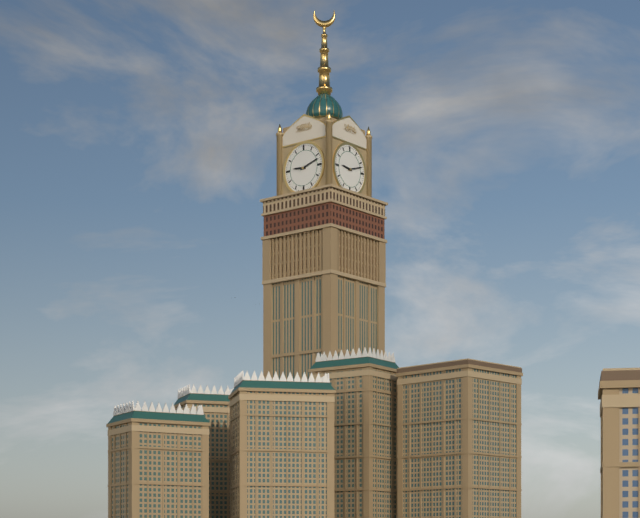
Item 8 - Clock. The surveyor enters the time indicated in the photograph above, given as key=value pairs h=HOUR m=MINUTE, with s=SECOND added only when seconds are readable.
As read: h=9 m=12
